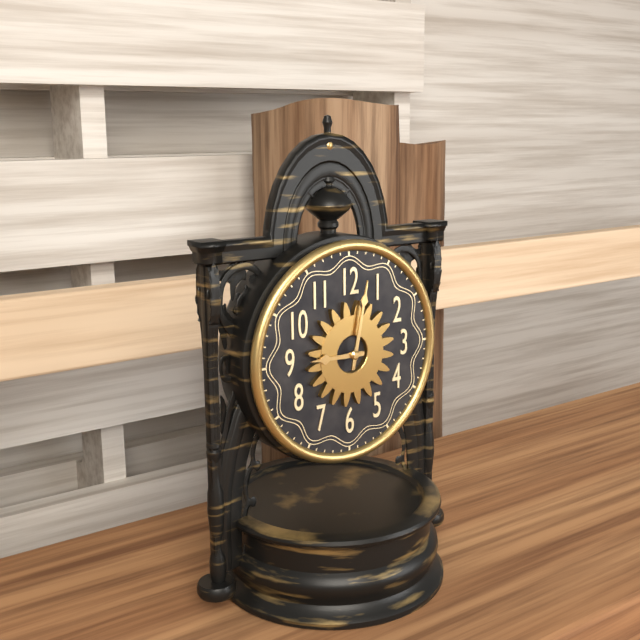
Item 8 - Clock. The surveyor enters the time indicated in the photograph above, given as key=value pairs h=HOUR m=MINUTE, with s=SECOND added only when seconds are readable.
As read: h=9 m=2
